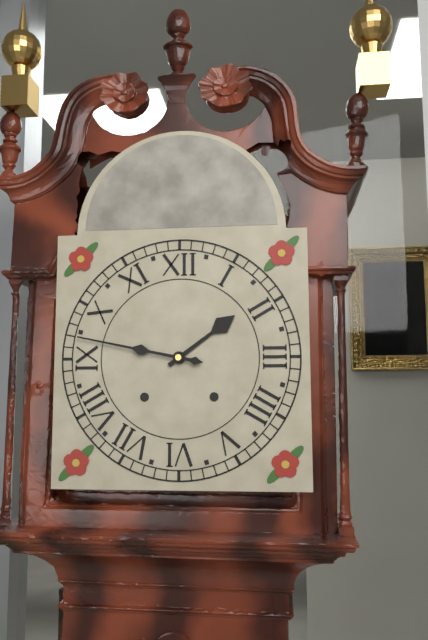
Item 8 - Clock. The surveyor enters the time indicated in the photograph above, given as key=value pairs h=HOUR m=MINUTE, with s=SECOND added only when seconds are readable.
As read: h=1 m=47
